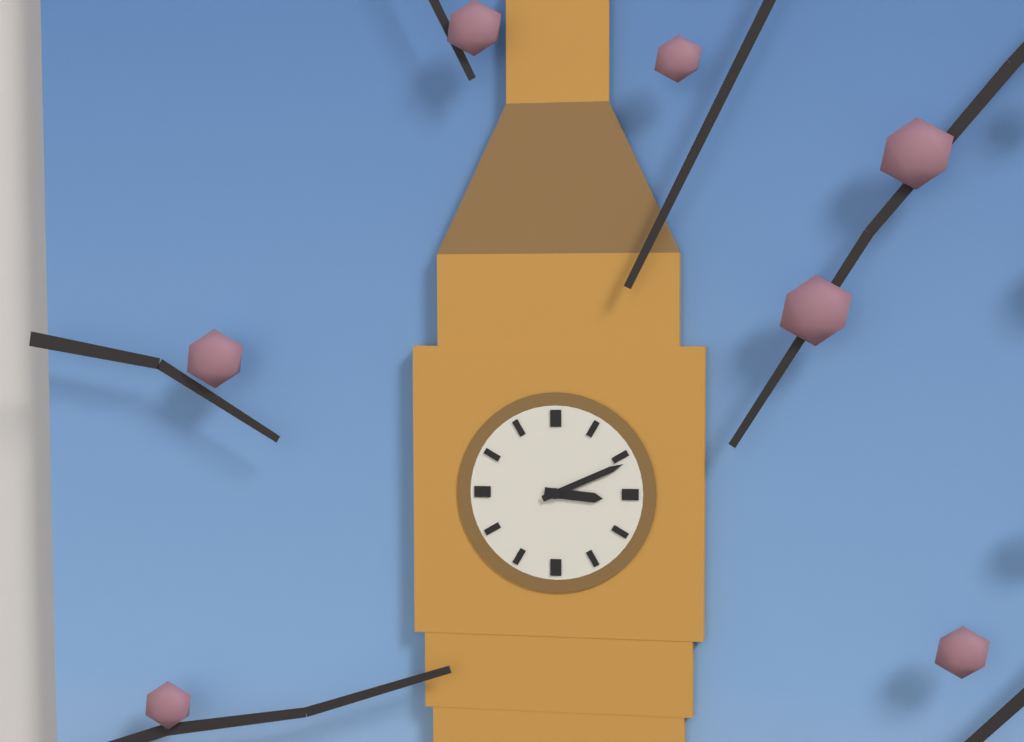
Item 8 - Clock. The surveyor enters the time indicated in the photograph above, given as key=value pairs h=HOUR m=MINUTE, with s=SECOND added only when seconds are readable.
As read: h=3 m=11
